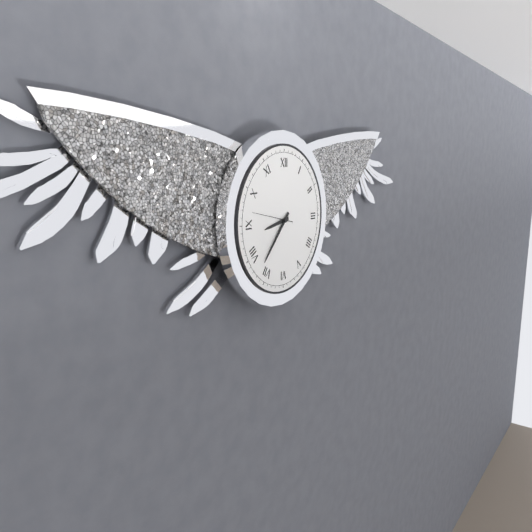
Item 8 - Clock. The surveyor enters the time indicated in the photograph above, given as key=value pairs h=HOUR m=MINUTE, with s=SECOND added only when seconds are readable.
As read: h=8 m=37
